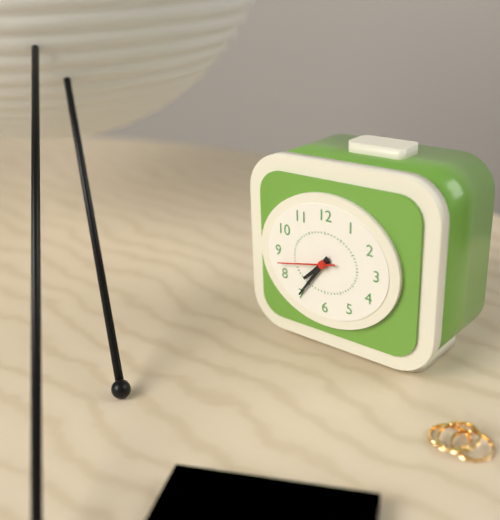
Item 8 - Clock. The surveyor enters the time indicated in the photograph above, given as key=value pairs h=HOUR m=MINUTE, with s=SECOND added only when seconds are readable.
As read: h=7 m=36 s=43
